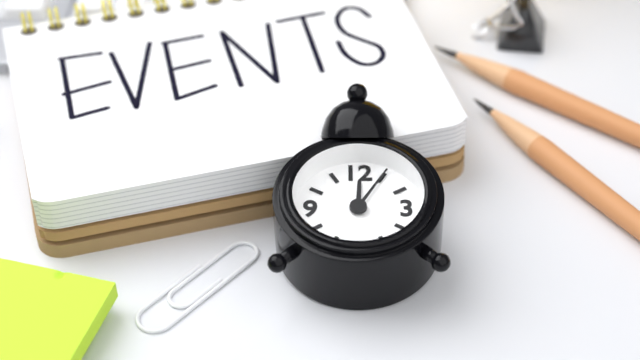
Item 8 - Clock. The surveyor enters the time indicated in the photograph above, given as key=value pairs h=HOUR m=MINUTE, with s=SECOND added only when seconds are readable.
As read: h=12 m=5
